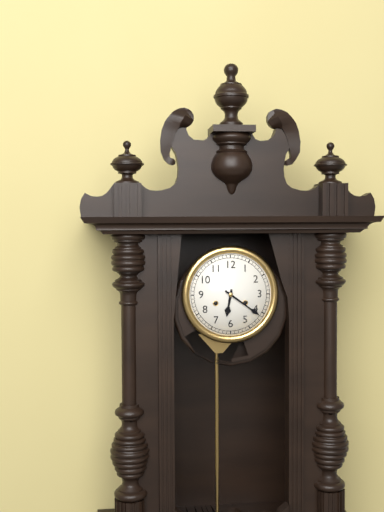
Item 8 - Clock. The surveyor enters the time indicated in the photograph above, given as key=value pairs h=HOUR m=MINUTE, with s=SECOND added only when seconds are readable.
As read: h=6 m=21
